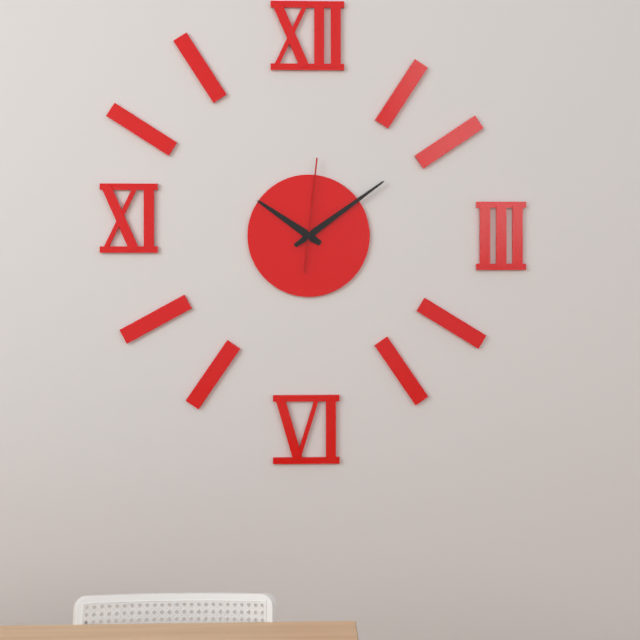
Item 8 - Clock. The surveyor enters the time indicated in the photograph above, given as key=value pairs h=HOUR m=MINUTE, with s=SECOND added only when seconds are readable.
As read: h=10 m=9 s=1
